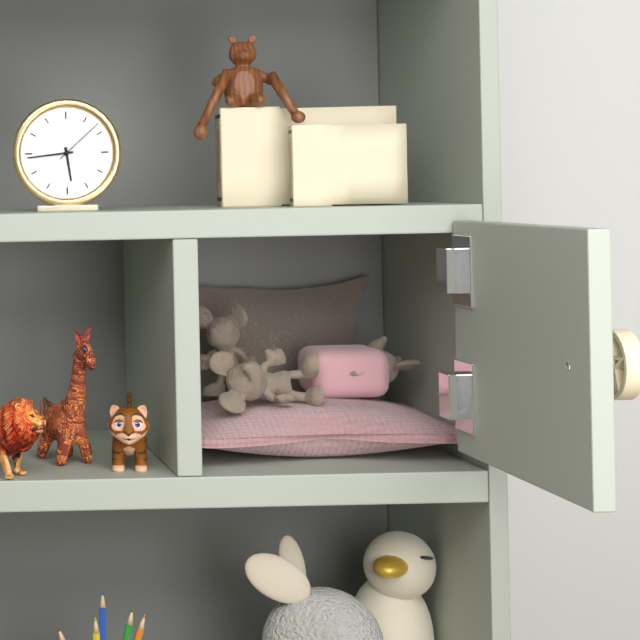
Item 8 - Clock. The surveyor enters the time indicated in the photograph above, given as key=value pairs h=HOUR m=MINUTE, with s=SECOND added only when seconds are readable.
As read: h=5 m=44 s=8
